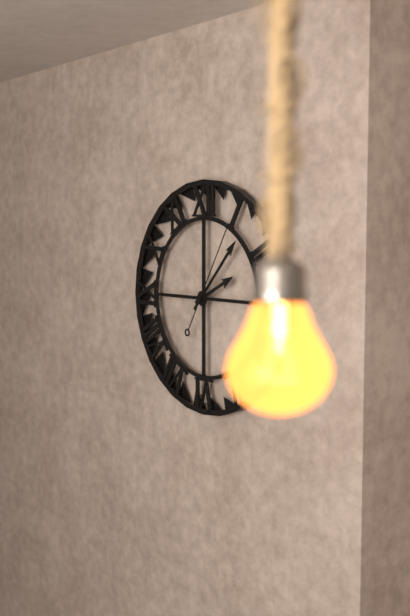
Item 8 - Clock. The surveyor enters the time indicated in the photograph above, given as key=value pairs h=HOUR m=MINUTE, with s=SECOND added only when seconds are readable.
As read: h=2 m=7 s=5
